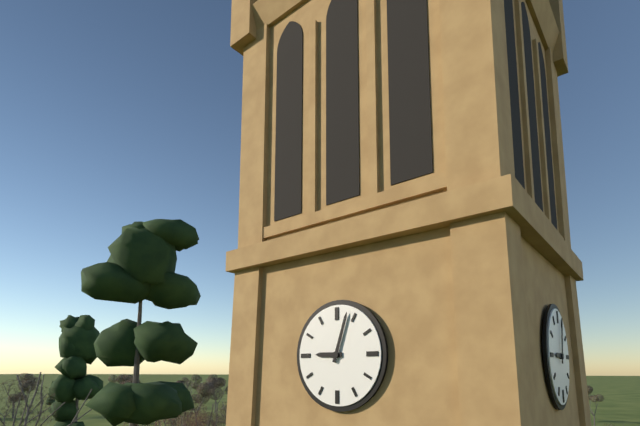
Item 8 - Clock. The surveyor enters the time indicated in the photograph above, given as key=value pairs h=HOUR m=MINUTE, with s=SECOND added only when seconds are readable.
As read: h=9 m=3
